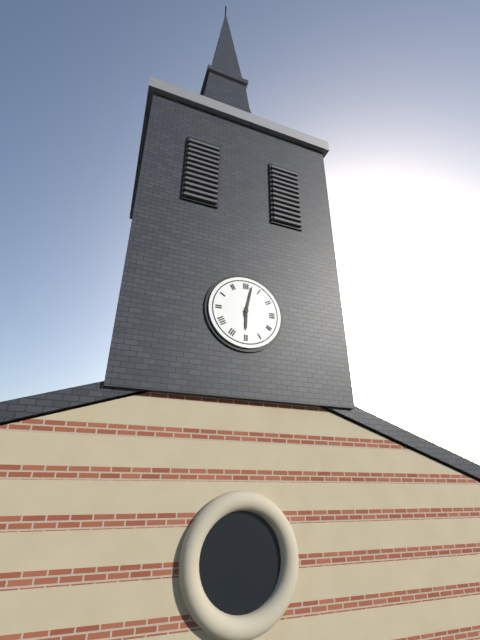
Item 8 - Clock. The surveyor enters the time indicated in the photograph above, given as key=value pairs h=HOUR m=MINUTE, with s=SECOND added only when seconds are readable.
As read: h=6 m=2
